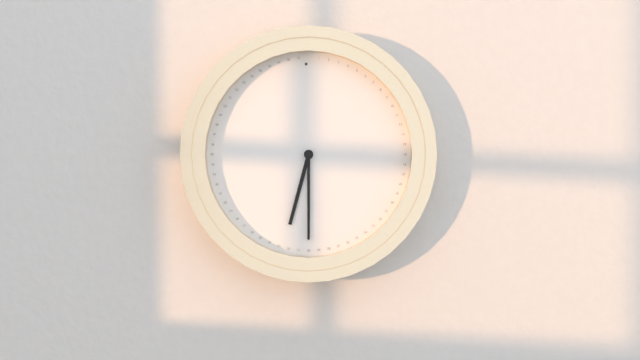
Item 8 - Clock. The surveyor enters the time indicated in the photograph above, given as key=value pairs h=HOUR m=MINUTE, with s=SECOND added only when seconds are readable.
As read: h=6 m=30
